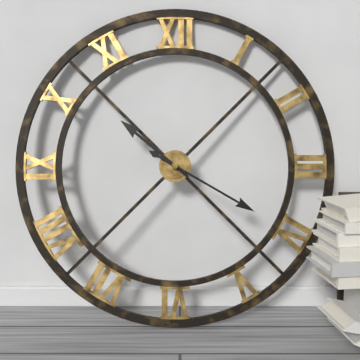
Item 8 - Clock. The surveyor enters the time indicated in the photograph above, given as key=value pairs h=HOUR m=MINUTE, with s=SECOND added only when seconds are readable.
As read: h=10 m=20
